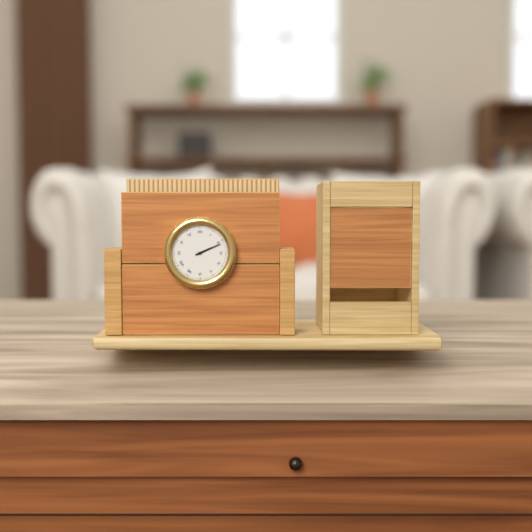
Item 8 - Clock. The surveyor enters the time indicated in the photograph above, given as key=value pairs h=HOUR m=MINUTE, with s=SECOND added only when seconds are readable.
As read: h=2 m=11
